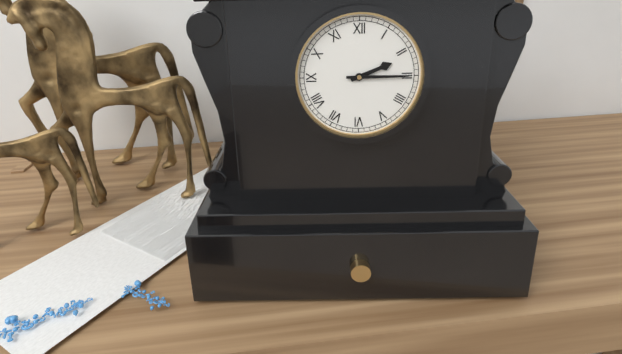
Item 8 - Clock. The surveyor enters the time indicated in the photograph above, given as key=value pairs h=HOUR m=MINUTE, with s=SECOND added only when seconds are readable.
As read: h=2 m=15
